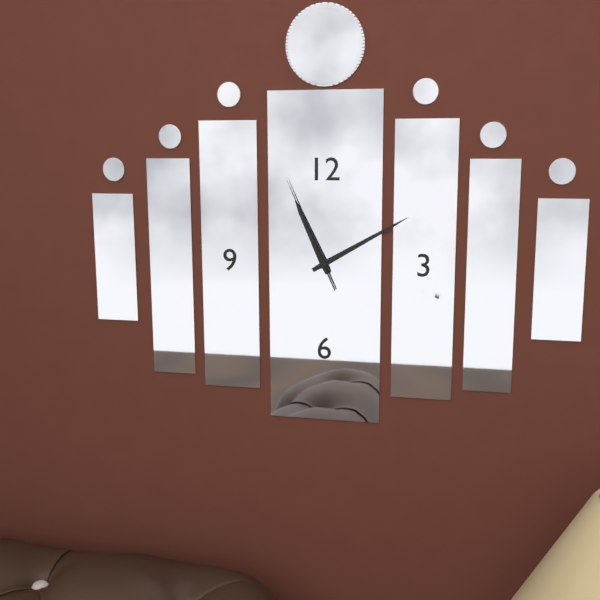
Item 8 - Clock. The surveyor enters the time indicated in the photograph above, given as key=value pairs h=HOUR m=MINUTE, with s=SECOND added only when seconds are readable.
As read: h=11 m=10 s=56
